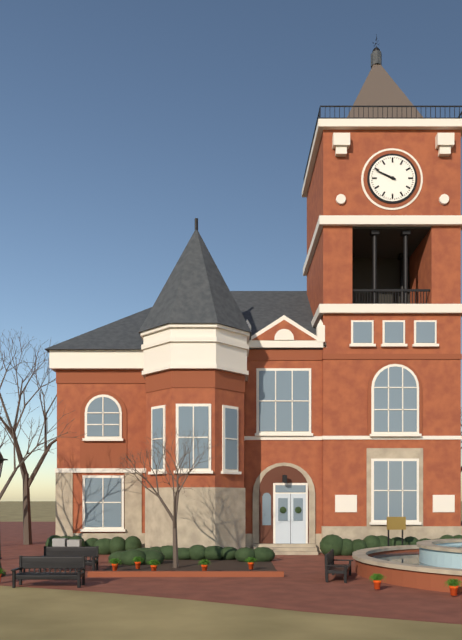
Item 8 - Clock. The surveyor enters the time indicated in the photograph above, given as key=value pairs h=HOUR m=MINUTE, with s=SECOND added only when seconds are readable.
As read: h=9 m=49
